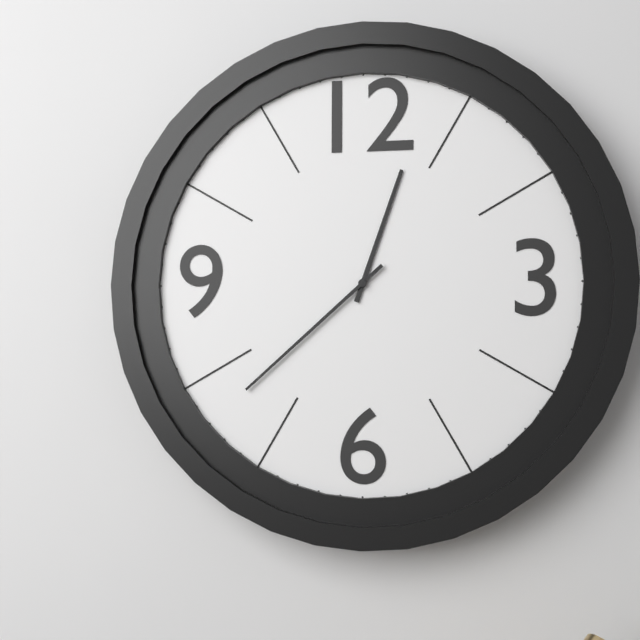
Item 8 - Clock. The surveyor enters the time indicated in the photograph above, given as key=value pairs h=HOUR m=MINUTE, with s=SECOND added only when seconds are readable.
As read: h=12 m=38
